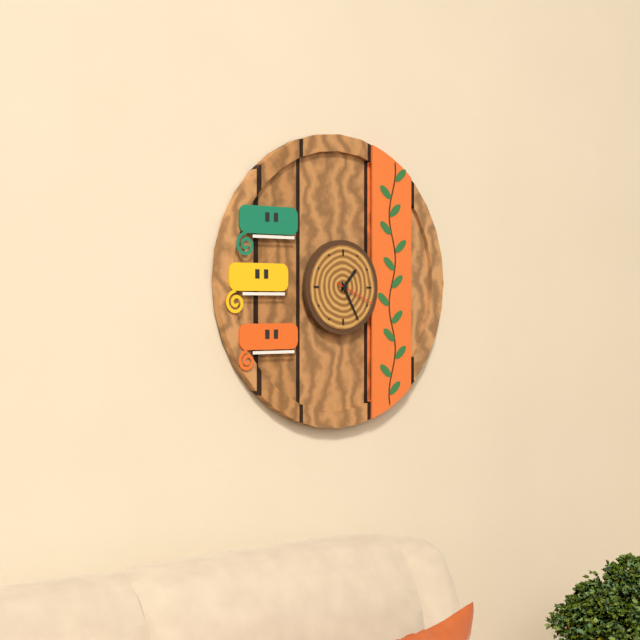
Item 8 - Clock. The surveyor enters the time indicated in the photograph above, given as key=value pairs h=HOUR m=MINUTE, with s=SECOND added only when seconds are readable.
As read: h=1 m=25
